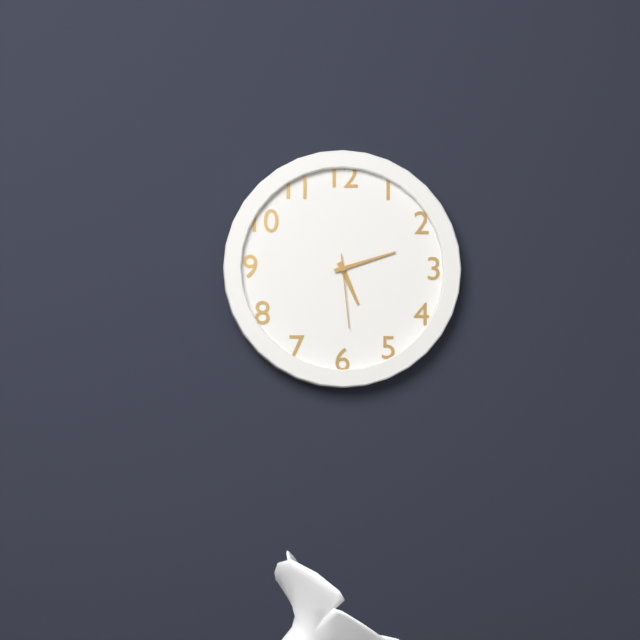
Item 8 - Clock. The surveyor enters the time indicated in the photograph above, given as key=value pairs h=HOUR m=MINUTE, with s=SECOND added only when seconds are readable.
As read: h=5 m=12 s=29
